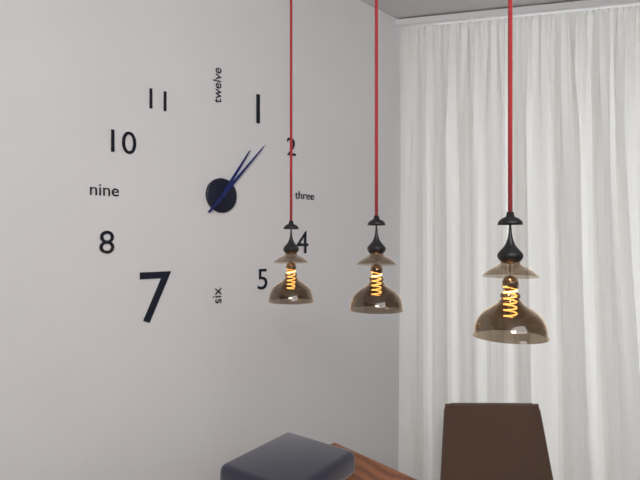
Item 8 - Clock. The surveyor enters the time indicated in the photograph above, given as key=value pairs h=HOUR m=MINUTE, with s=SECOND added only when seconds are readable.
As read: h=1 m=7
